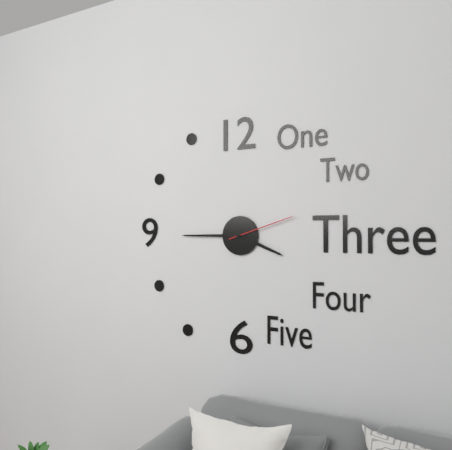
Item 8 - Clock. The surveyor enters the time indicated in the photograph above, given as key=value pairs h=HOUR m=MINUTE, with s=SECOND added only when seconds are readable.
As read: h=3 m=45 s=12
